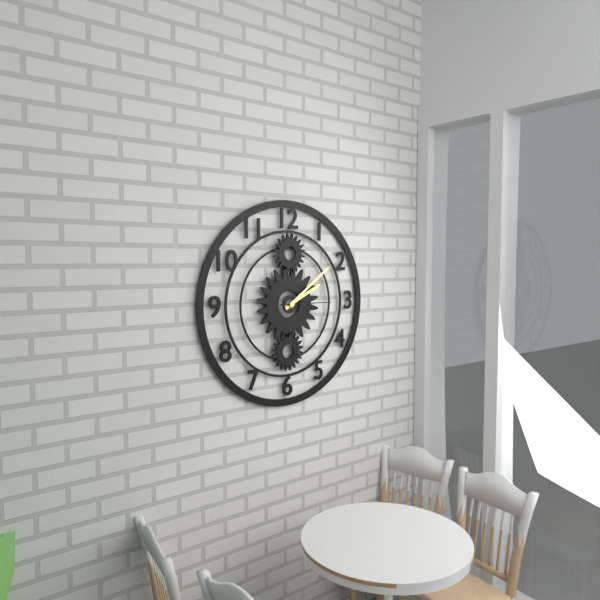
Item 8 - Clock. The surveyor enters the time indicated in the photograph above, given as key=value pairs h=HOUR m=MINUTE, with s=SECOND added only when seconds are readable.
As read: h=2 m=9 s=15
